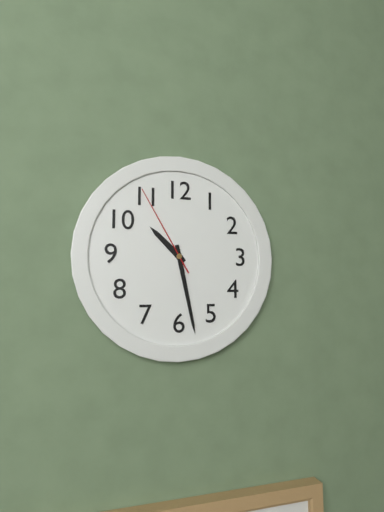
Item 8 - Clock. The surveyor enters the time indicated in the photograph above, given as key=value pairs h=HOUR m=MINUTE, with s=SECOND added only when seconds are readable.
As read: h=10 m=28 s=55
